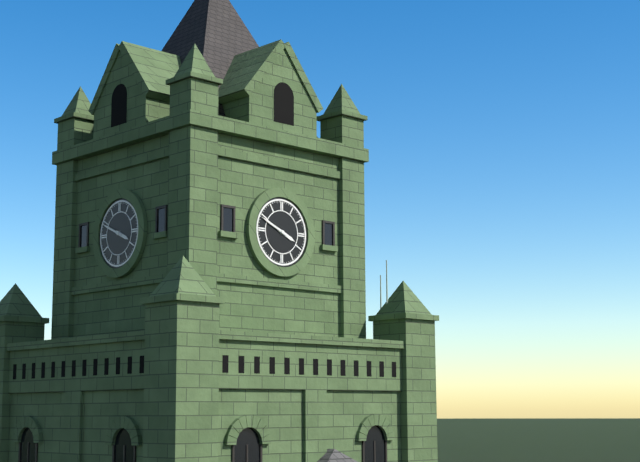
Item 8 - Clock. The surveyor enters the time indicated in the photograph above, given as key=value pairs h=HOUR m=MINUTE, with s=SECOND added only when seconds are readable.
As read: h=3 m=49
